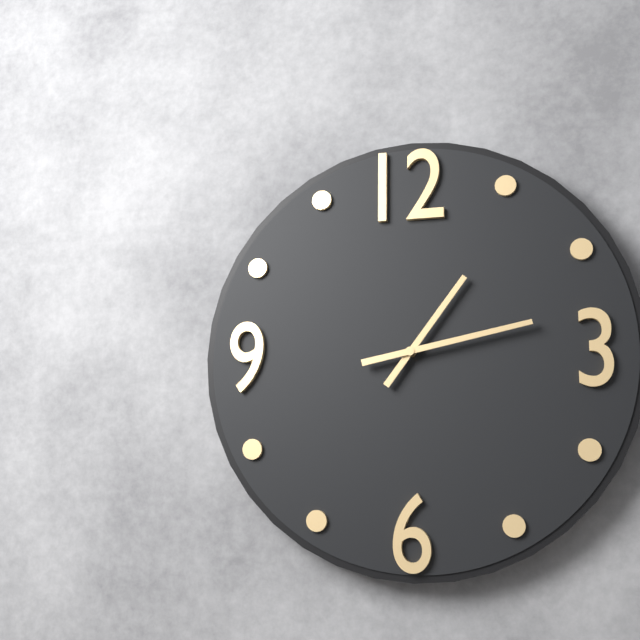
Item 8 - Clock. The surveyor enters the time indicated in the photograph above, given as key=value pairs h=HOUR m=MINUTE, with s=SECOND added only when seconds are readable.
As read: h=1 m=13
